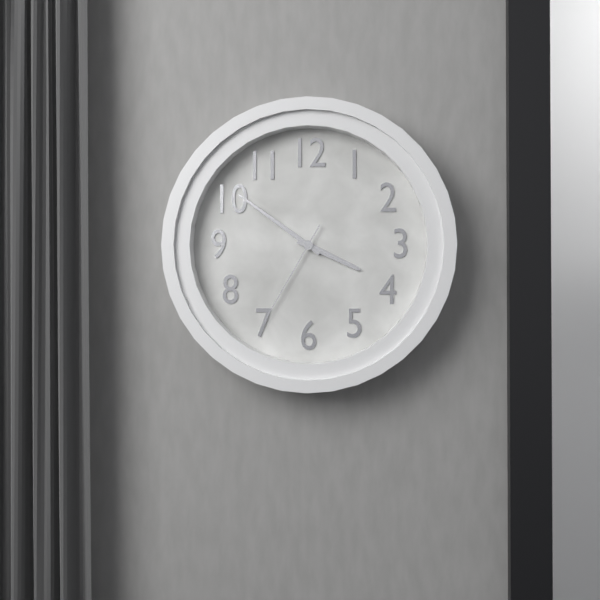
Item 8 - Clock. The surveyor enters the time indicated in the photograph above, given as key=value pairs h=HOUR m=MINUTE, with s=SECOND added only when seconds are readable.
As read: h=3 m=51 s=35
